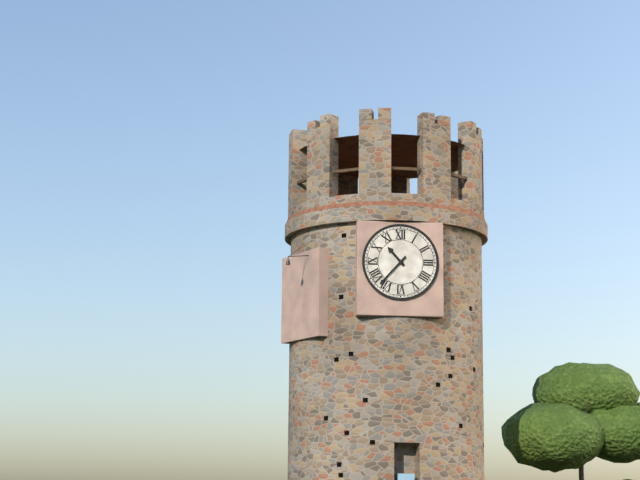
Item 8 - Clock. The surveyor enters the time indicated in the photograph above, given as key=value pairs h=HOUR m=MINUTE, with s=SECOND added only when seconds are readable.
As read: h=10 m=37
